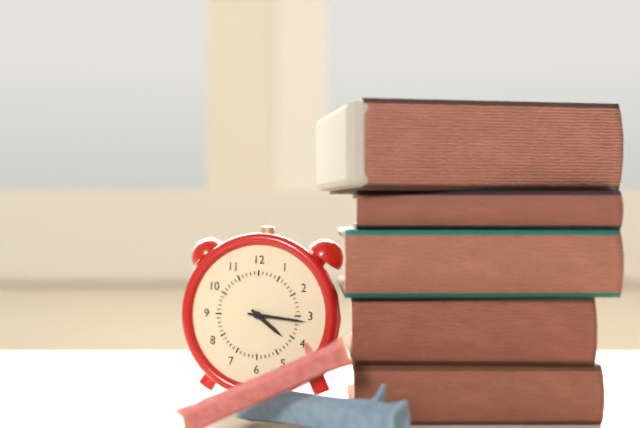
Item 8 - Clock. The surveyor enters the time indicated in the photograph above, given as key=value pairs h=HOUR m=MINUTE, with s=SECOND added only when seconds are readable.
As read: h=4 m=16
